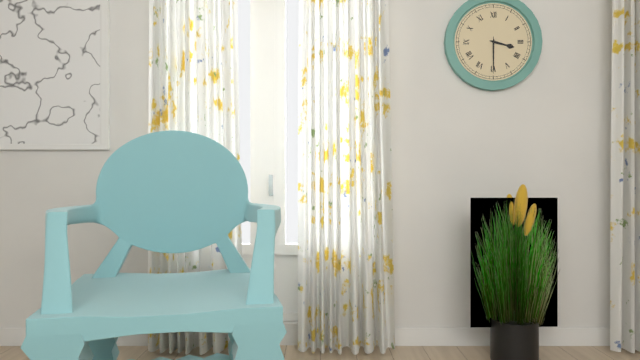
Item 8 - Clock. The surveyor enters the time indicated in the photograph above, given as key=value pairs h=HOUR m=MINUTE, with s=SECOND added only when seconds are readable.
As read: h=3 m=30
